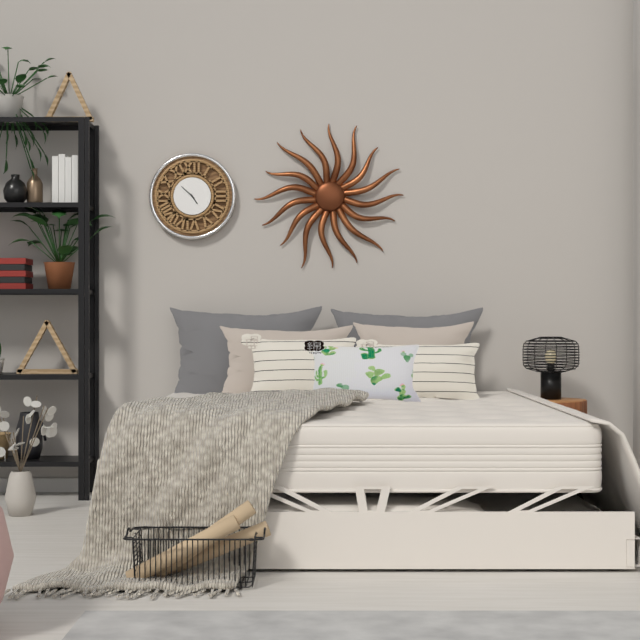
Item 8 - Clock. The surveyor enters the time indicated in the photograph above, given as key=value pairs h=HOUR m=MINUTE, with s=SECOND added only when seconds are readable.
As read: h=4 m=52
